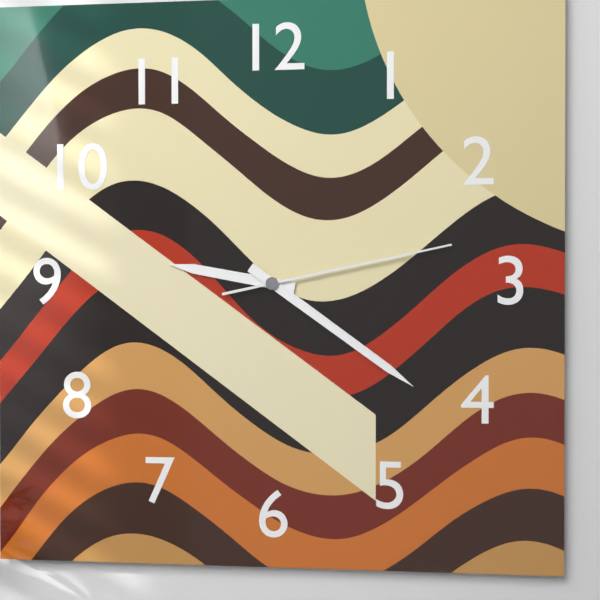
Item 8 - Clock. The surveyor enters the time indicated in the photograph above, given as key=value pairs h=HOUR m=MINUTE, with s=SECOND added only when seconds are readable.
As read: h=9 m=21 s=13
